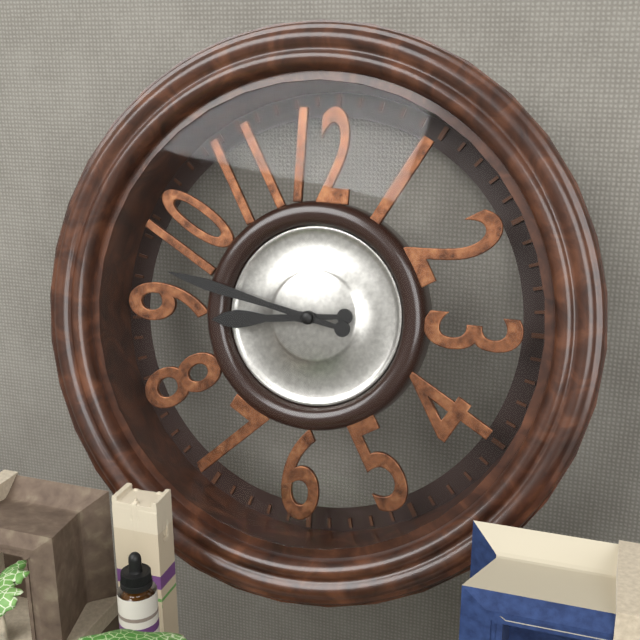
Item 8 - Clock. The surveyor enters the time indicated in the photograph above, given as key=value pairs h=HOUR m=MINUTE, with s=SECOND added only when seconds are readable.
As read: h=8 m=47
